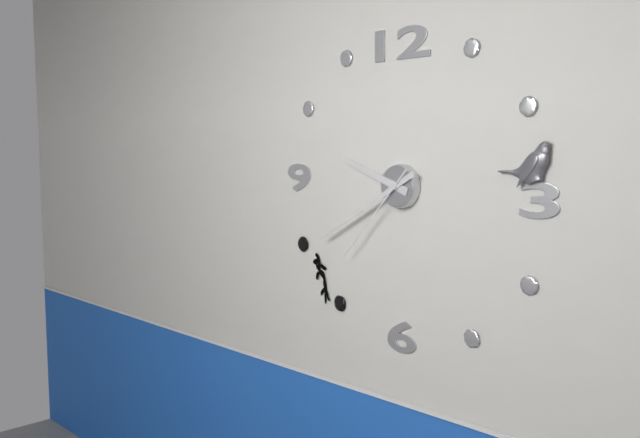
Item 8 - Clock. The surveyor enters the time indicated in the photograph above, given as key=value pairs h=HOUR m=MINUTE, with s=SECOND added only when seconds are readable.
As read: h=9 m=40 s=37
